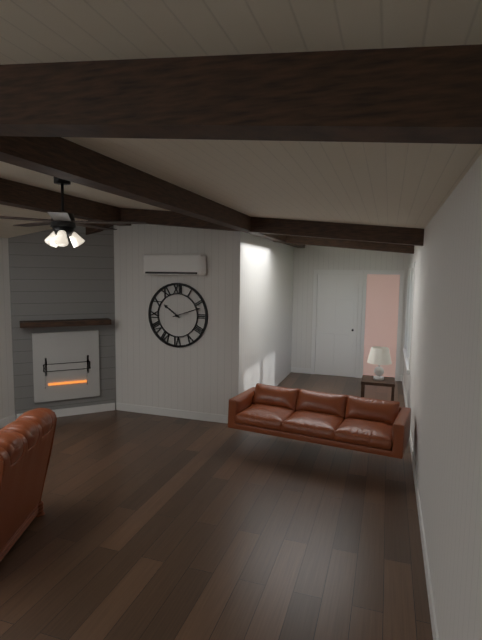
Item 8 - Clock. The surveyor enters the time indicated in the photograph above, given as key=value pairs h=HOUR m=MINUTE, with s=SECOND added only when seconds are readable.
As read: h=10 m=12
